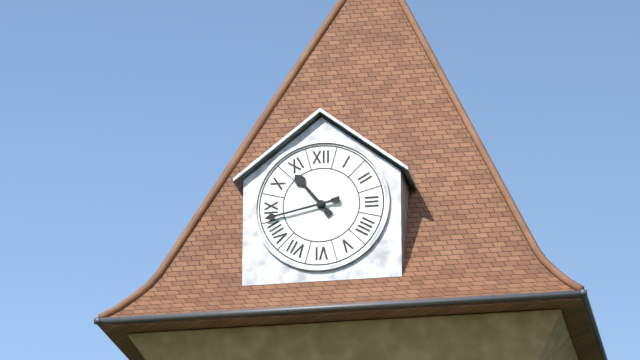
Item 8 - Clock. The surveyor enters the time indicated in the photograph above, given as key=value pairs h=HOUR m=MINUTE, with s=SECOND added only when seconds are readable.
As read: h=10 m=43
